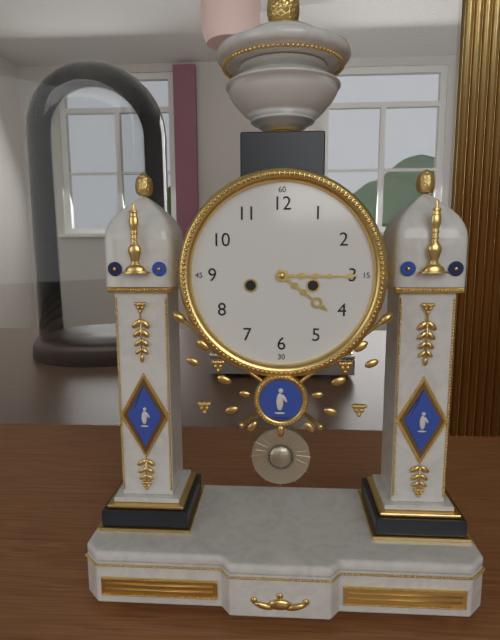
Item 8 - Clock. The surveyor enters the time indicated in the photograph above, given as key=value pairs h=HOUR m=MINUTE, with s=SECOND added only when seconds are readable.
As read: h=4 m=15
